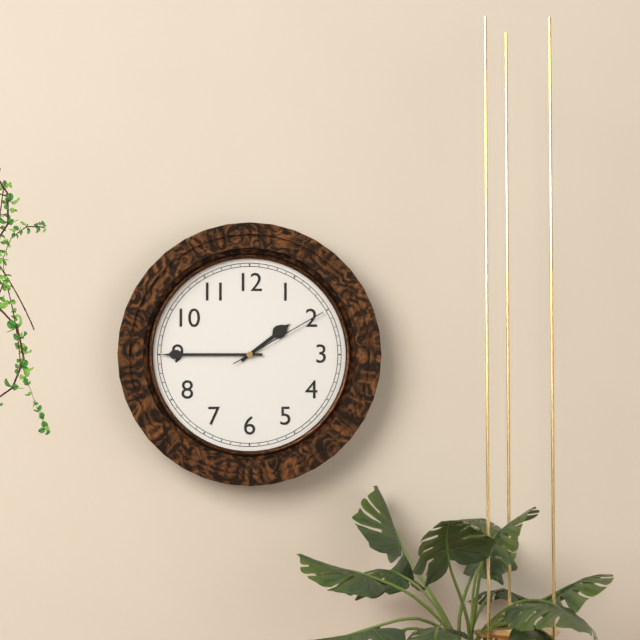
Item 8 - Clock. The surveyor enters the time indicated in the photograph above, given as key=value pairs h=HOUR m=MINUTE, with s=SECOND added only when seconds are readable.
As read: h=1 m=45 s=10
